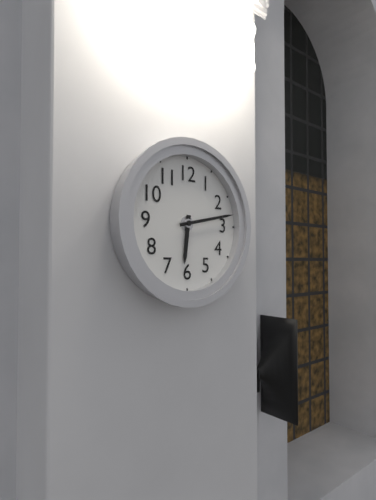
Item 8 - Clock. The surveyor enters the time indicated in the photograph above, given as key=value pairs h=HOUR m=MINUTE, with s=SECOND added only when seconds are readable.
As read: h=6 m=13
